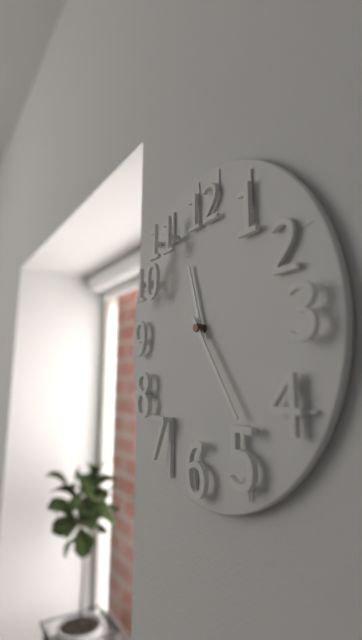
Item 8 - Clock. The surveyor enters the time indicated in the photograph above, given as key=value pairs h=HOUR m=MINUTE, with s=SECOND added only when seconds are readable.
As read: h=11 m=24
